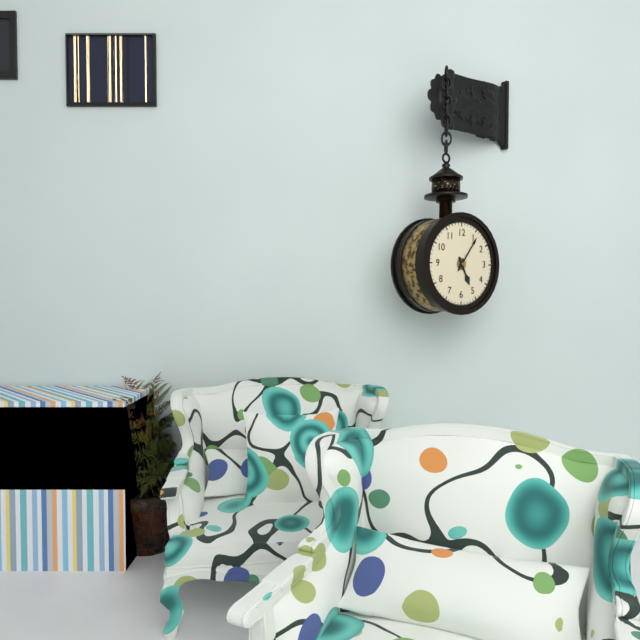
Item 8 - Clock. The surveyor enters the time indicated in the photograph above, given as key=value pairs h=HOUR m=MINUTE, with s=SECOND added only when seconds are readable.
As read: h=5 m=6
